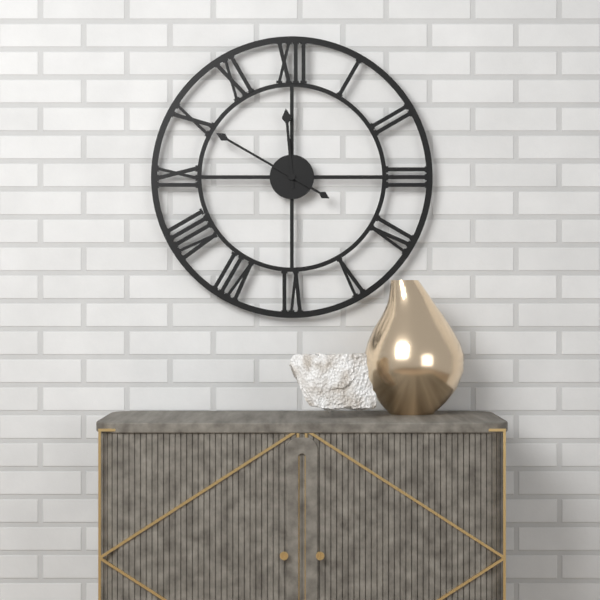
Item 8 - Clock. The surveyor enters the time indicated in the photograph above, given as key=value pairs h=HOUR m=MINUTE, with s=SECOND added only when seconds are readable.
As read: h=11 m=50
